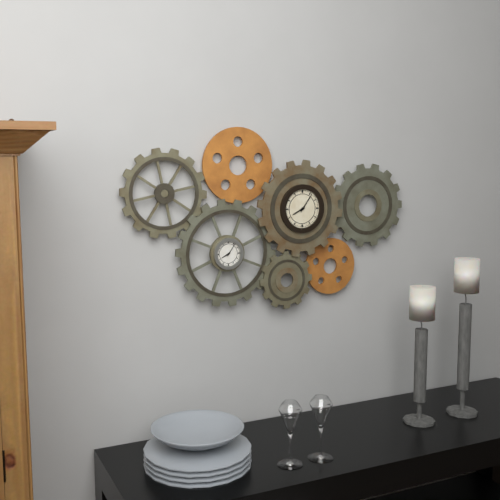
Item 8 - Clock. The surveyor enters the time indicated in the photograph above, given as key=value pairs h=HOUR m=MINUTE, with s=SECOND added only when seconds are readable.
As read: h=8 m=6
